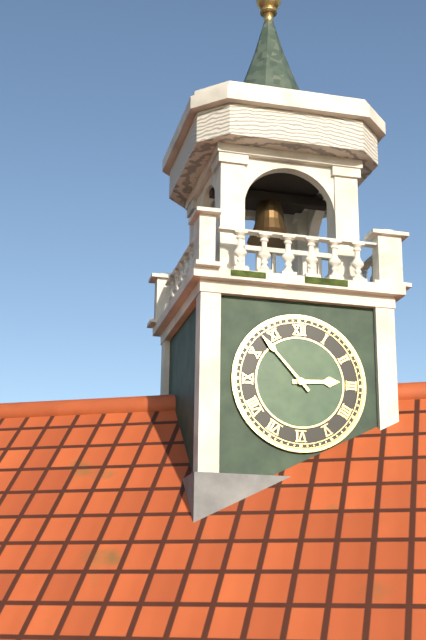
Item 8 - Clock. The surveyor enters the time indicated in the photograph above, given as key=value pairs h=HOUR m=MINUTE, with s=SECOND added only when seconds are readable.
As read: h=2 m=53
